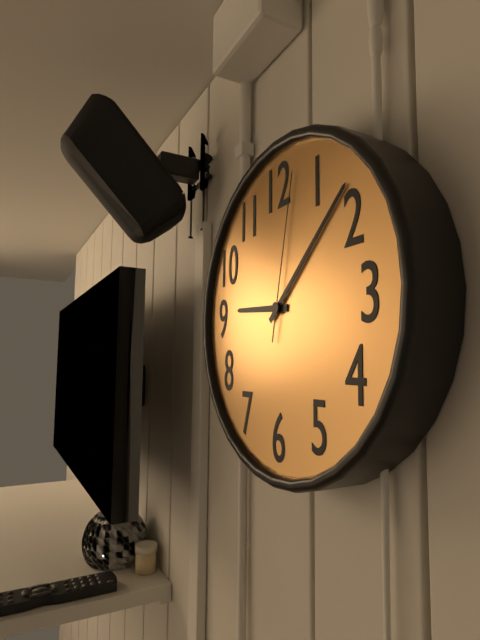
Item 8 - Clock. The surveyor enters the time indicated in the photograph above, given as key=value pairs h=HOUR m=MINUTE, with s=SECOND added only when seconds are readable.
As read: h=9 m=8 s=2
